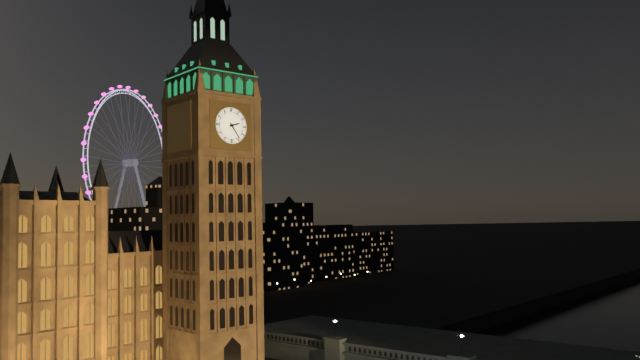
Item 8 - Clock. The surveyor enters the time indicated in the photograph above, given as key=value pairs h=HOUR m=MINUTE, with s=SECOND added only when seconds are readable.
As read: h=2 m=24
